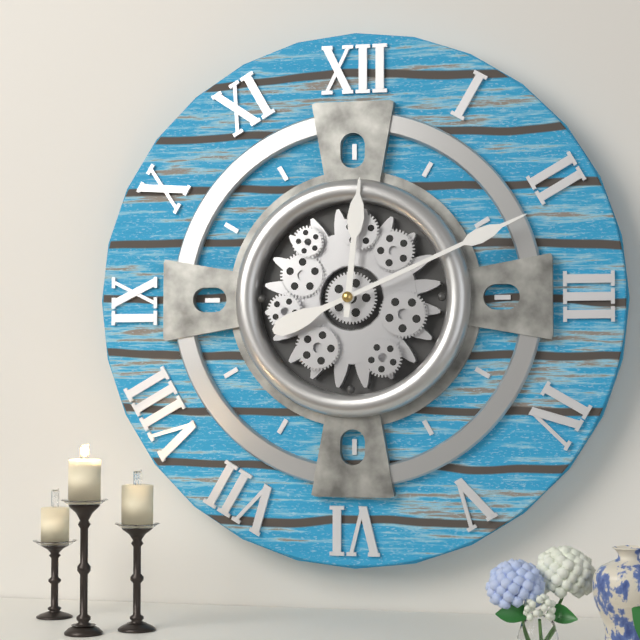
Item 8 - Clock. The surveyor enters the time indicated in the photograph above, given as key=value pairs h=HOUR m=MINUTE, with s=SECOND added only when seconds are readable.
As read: h=12 m=11
